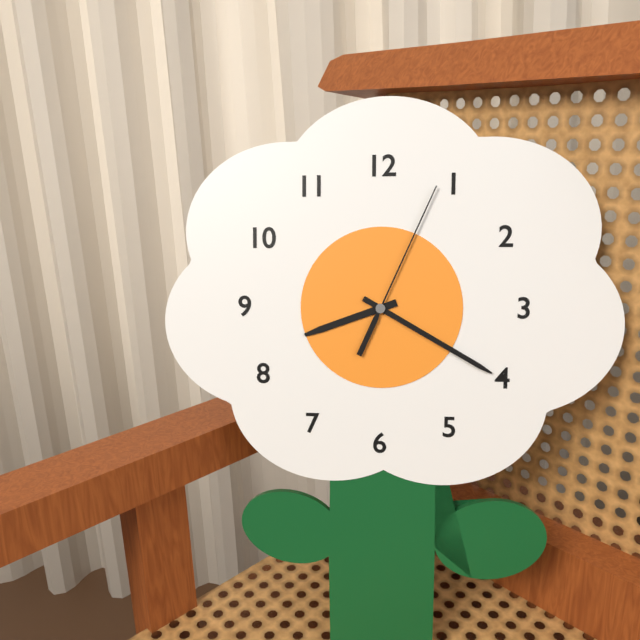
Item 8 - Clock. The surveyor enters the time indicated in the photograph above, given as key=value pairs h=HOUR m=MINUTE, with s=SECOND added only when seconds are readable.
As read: h=8 m=20 s=4
